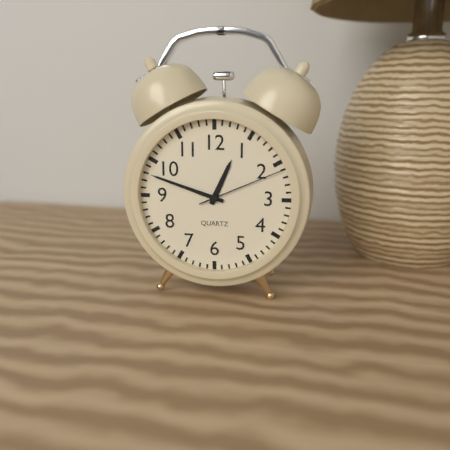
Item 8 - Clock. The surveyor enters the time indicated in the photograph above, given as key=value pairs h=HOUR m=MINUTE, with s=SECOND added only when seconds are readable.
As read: h=12 m=48 s=11
